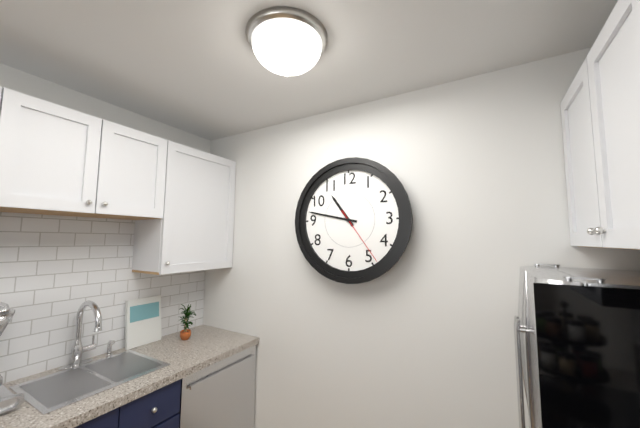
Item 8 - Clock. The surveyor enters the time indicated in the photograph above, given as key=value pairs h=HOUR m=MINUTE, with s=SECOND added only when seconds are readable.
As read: h=10 m=47 s=24
